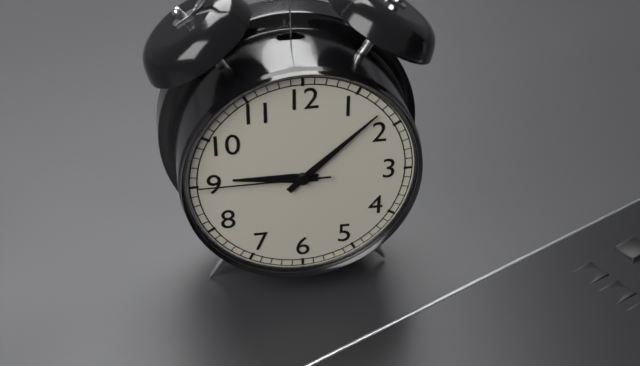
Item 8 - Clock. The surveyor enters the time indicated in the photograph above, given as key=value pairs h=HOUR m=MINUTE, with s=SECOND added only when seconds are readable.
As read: h=9 m=8 s=45
